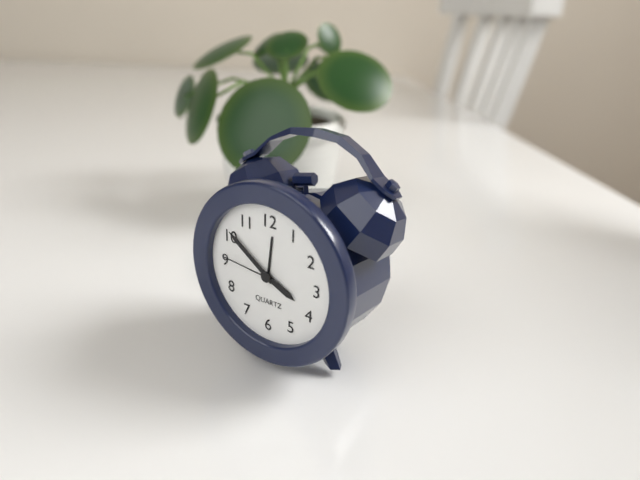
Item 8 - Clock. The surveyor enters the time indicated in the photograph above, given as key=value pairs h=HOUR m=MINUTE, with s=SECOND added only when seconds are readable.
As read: h=3 m=51 s=46
